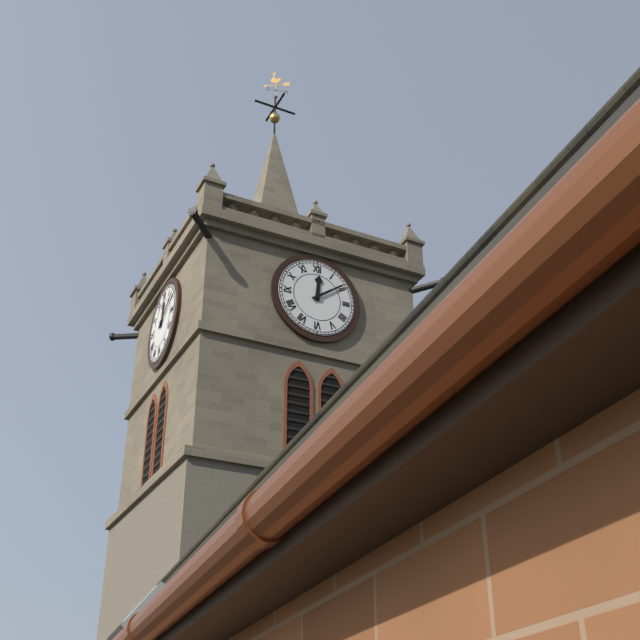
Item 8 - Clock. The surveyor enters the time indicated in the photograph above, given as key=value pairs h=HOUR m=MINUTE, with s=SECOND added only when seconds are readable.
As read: h=12 m=9
